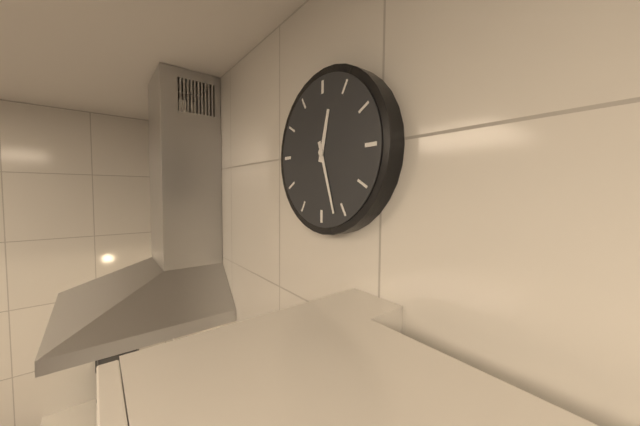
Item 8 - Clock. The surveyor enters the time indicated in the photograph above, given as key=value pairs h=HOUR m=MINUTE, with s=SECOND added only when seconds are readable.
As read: h=12 m=27
